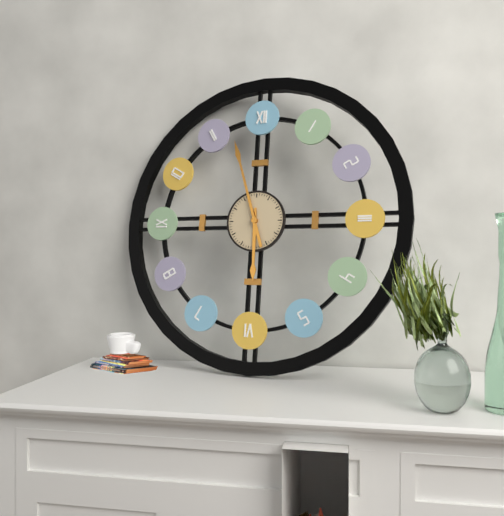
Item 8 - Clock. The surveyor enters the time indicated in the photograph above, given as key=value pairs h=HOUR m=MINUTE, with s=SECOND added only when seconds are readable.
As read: h=5 m=57
